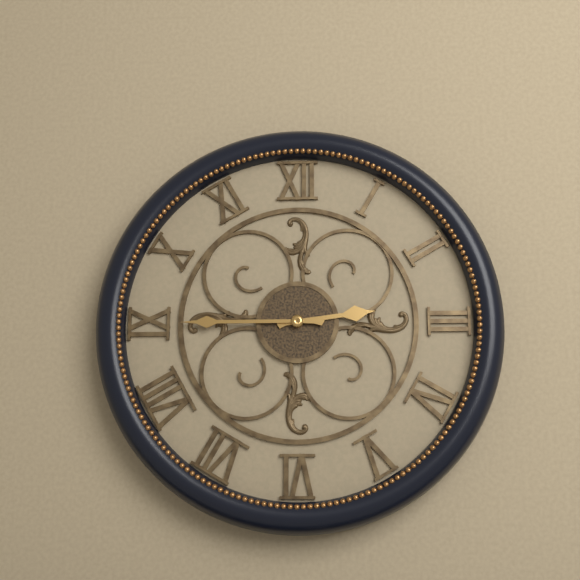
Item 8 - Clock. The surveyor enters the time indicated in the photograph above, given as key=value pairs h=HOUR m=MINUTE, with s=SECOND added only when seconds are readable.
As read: h=2 m=45
